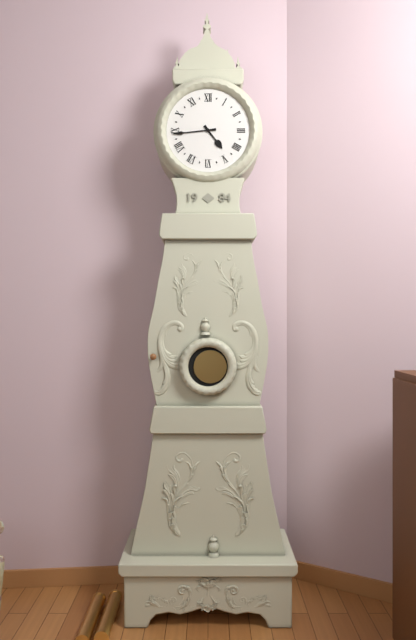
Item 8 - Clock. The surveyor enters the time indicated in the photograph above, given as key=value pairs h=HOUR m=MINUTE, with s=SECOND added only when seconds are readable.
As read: h=4 m=44
